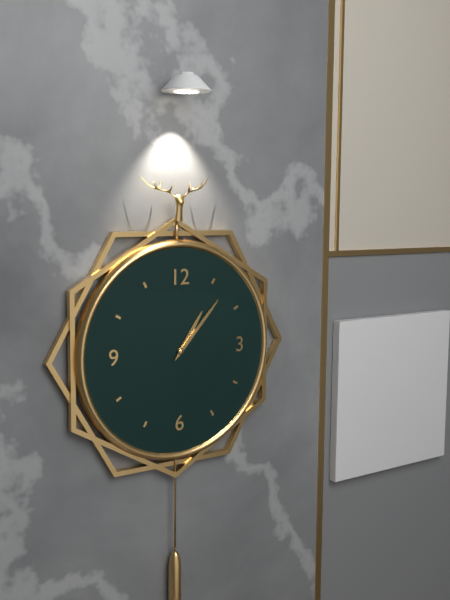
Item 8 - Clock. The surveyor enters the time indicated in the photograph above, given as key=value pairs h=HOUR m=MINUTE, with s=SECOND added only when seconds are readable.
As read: h=1 m=7
